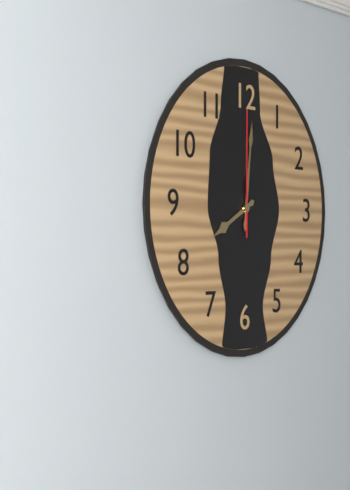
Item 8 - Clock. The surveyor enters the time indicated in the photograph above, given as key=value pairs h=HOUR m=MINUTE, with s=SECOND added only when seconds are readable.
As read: h=8 m=1 s=0
